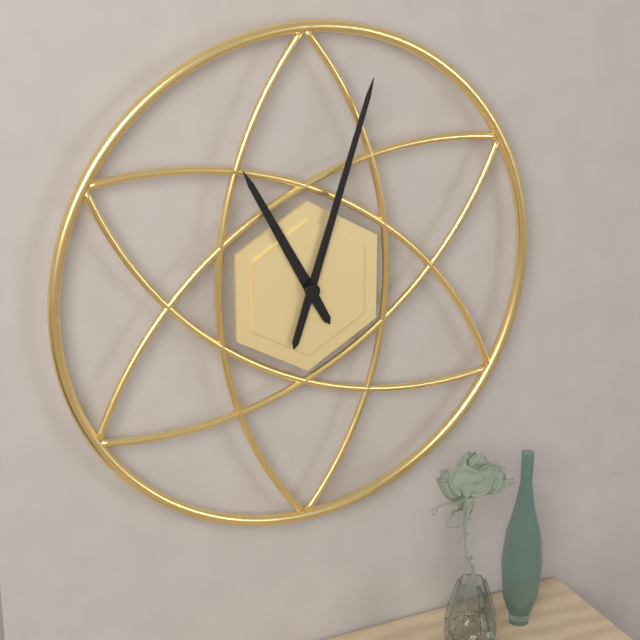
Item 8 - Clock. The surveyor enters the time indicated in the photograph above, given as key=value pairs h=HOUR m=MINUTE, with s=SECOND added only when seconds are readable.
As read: h=11 m=3
